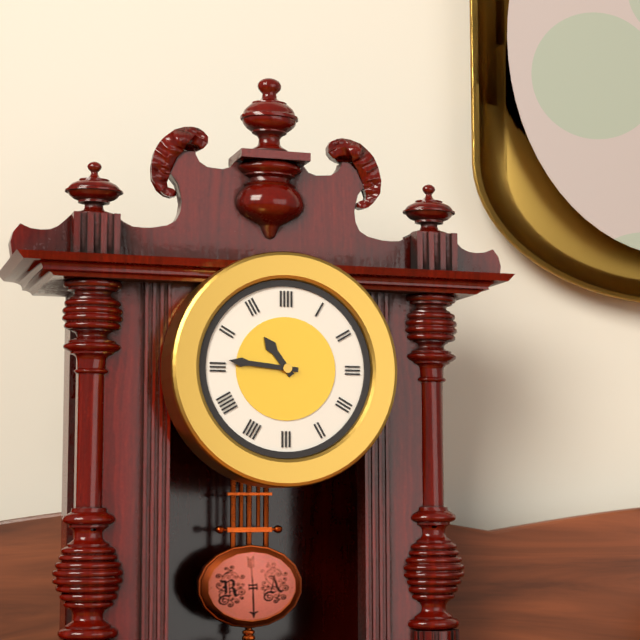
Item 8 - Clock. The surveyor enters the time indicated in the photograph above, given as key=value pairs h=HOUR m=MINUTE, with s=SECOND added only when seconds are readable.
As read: h=10 m=46
